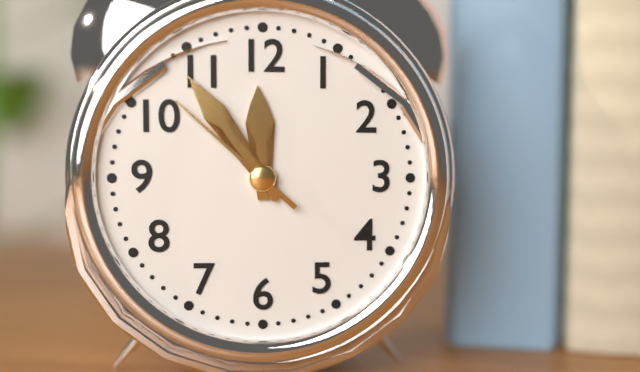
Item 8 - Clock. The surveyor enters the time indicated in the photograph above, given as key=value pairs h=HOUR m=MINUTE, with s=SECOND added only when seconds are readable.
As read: h=11 m=54 s=52
